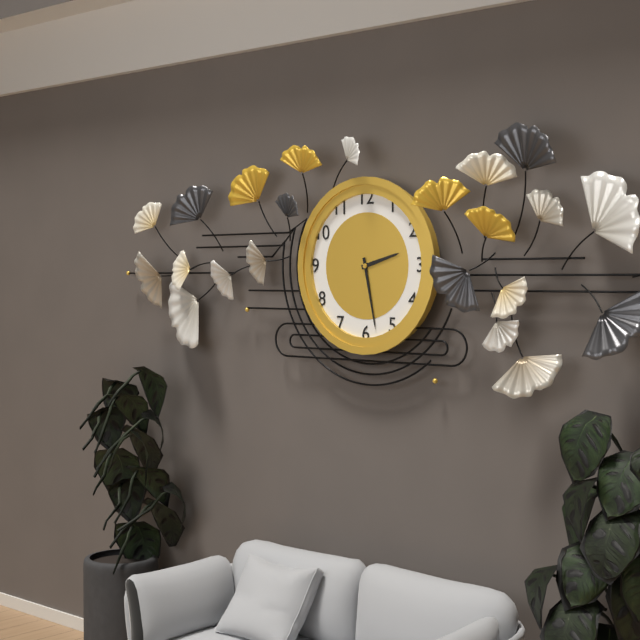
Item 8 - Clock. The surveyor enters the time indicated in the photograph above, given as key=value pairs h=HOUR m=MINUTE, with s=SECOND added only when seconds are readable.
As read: h=2 m=28
